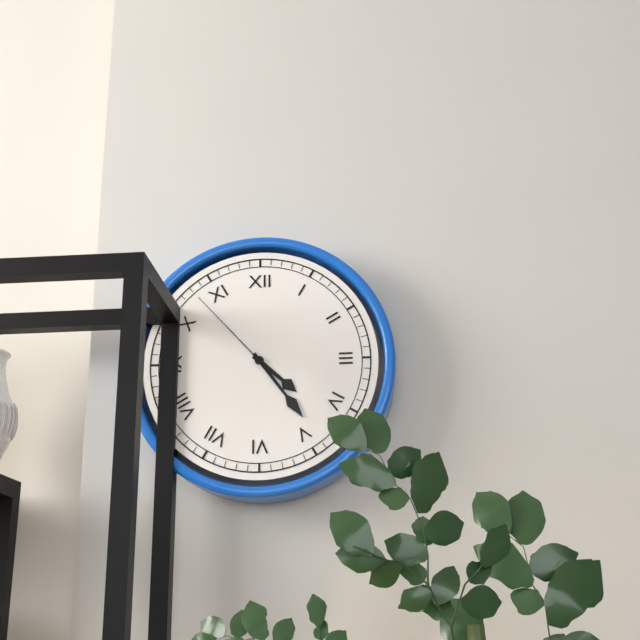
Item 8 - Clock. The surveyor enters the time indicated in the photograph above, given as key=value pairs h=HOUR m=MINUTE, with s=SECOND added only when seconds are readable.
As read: h=4 m=24 s=53
